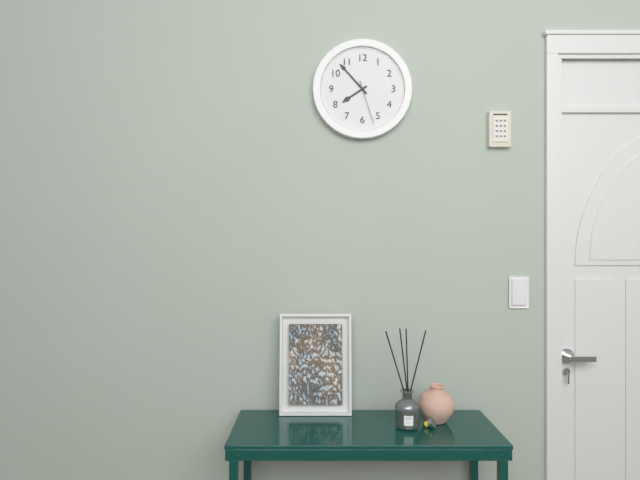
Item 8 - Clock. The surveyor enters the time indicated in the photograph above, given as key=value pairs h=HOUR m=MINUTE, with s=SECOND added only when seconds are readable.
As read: h=7 m=53
